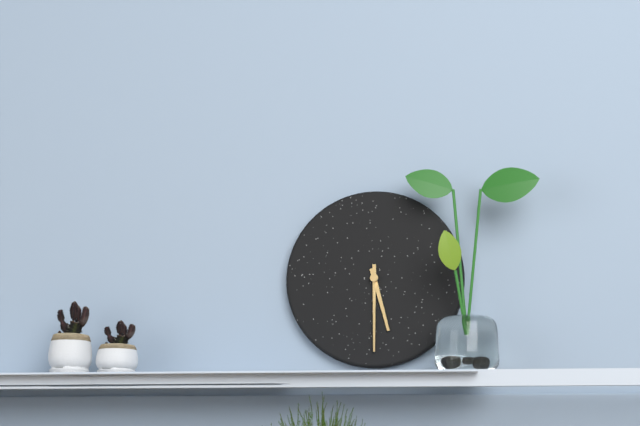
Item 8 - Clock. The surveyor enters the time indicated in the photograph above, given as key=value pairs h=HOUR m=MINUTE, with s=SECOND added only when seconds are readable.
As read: h=5 m=30
